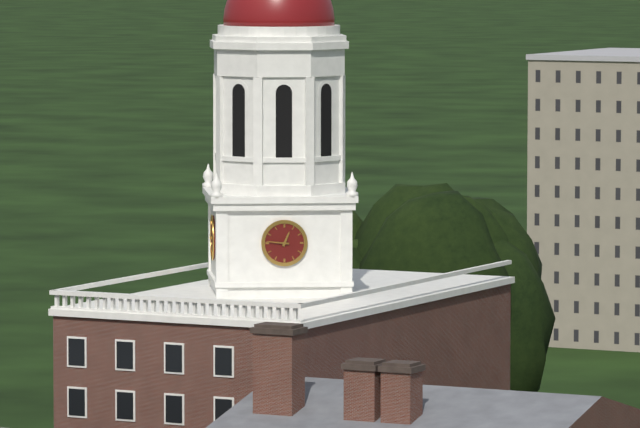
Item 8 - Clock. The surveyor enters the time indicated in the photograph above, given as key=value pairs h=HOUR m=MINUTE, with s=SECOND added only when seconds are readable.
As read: h=12 m=46
